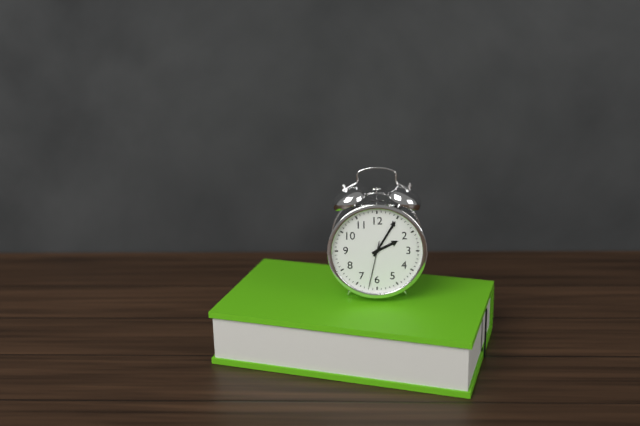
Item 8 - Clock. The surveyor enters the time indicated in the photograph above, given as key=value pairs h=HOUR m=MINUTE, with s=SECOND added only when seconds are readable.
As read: h=2 m=5
